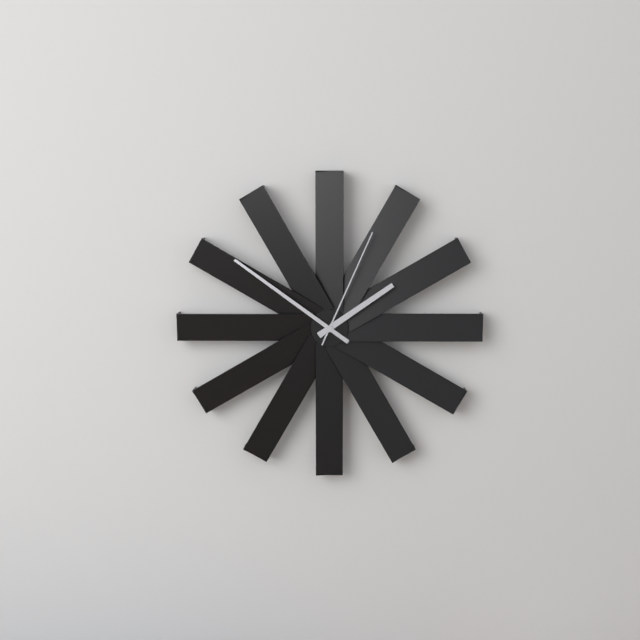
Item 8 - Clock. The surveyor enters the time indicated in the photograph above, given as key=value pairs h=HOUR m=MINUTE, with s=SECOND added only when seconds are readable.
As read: h=1 m=51 s=4
